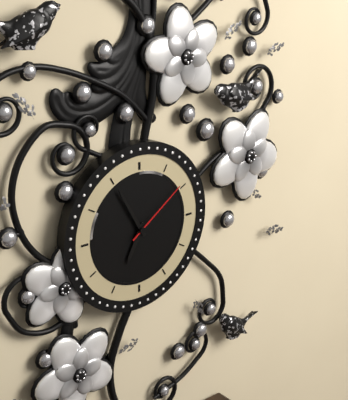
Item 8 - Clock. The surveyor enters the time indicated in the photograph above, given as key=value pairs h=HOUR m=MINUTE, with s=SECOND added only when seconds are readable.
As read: h=6 m=55 s=9
